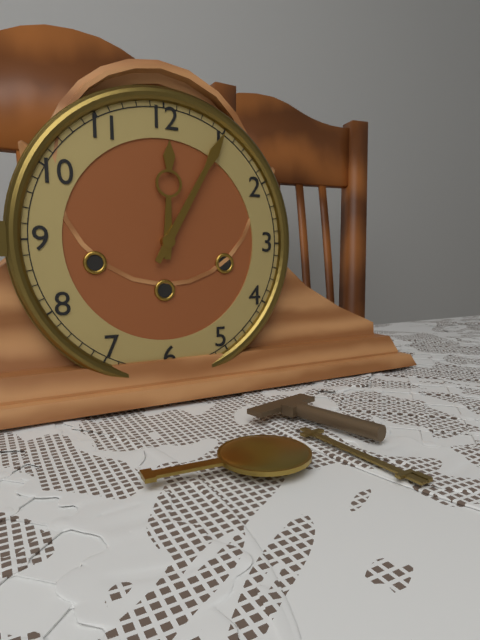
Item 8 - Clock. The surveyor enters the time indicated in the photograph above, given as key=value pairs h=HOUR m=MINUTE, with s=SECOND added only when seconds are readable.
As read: h=12 m=5
